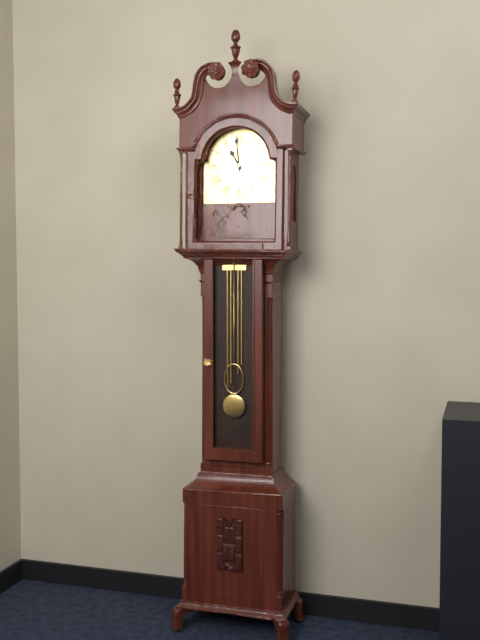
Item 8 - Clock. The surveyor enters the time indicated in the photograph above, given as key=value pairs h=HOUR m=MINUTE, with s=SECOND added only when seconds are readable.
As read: h=10 m=59
